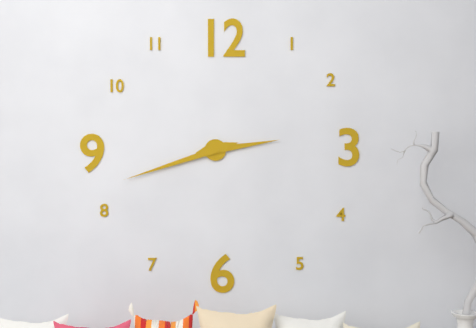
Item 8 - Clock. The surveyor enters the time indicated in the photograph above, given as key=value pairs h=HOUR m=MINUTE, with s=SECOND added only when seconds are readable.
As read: h=2 m=42
